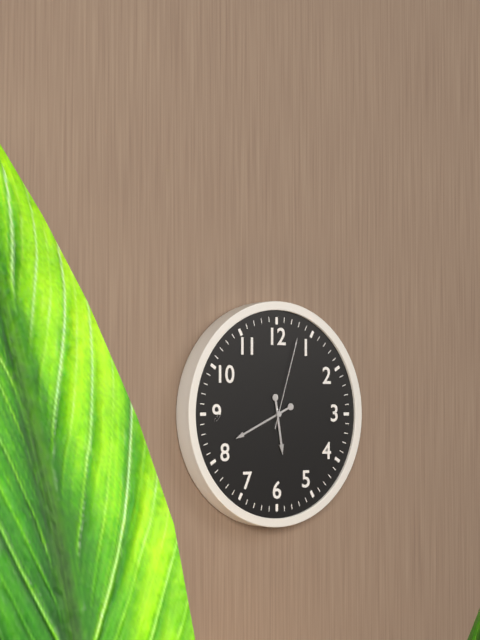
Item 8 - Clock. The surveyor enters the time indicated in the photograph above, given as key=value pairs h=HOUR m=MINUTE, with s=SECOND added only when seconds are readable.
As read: h=5 m=41 s=3
